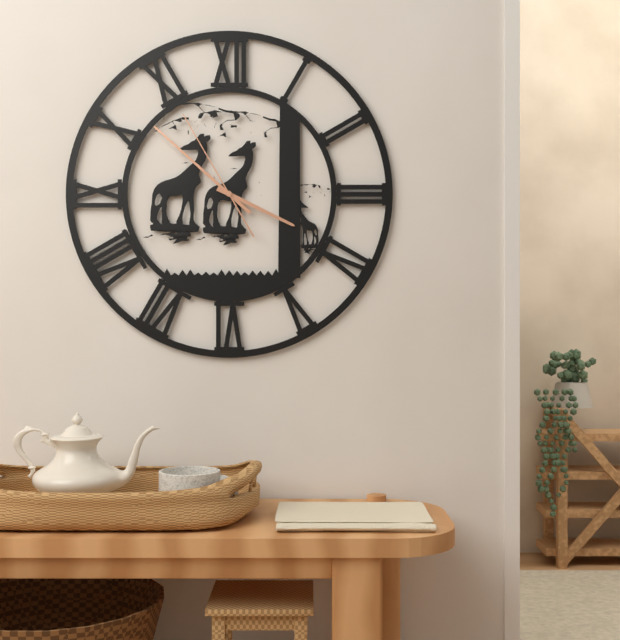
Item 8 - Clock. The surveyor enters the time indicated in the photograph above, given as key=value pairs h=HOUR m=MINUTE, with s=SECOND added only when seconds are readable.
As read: h=3 m=52 s=55
